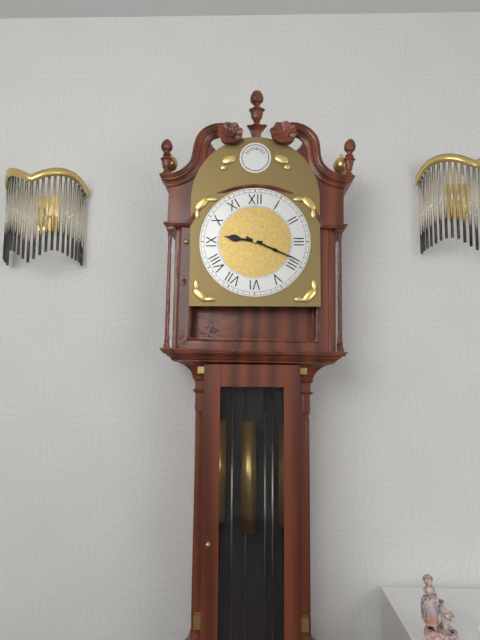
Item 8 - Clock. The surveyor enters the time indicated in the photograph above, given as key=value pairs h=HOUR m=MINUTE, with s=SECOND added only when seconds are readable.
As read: h=9 m=19
